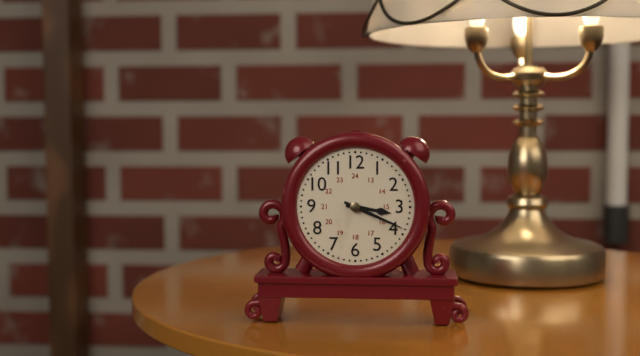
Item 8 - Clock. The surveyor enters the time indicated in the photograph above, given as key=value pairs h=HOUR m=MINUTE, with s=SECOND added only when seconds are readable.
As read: h=3 m=19
